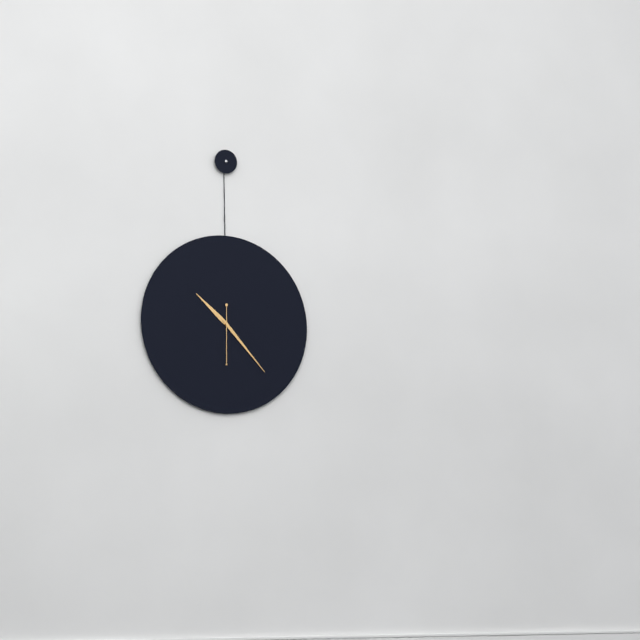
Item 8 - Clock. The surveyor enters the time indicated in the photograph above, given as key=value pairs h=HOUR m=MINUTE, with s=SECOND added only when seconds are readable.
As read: h=10 m=23 s=30
